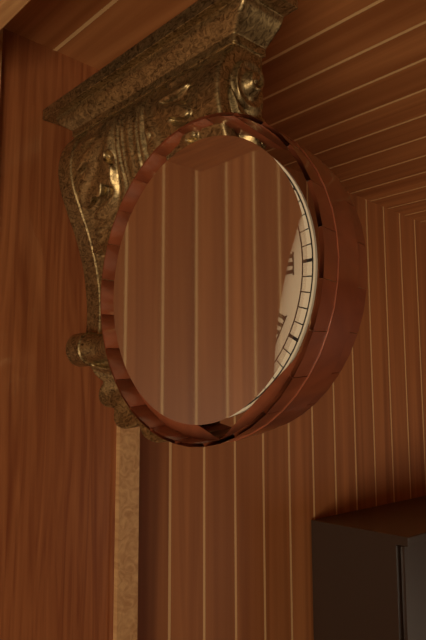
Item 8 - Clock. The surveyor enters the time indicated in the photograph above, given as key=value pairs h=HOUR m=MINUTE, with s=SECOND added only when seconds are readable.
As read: h=1 m=22
